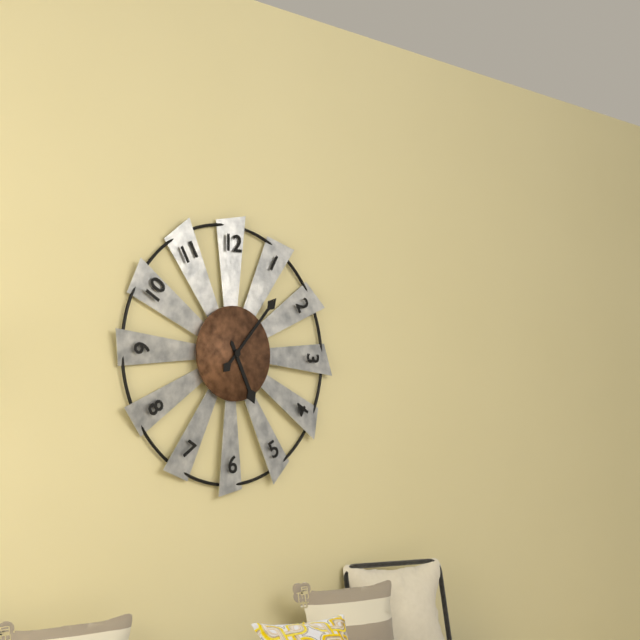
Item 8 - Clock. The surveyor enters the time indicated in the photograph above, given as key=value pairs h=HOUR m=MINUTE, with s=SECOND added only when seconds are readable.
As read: h=5 m=7
